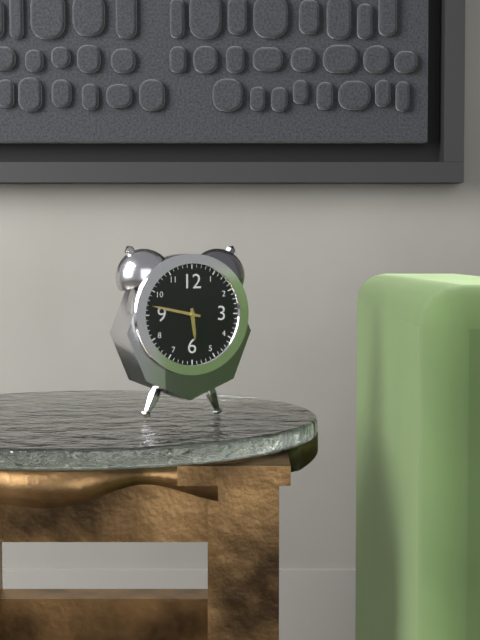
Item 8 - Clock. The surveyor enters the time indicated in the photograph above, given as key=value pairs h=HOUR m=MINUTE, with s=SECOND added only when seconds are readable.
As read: h=5 m=47
